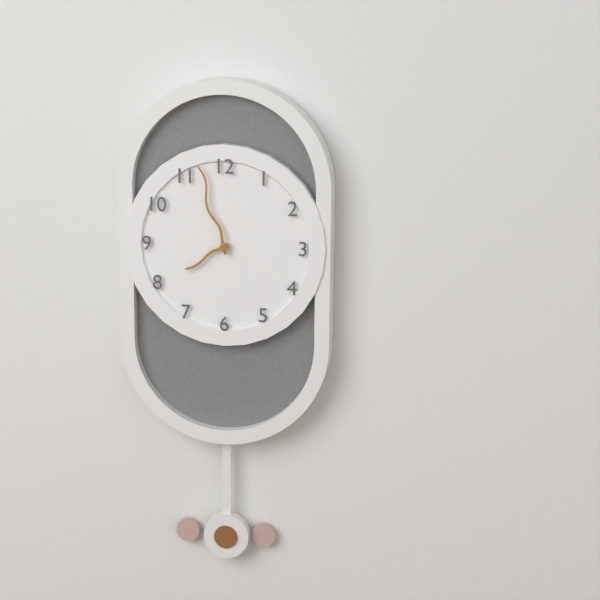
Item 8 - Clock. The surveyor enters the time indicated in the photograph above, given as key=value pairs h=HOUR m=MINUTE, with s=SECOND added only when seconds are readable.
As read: h=7 m=57
